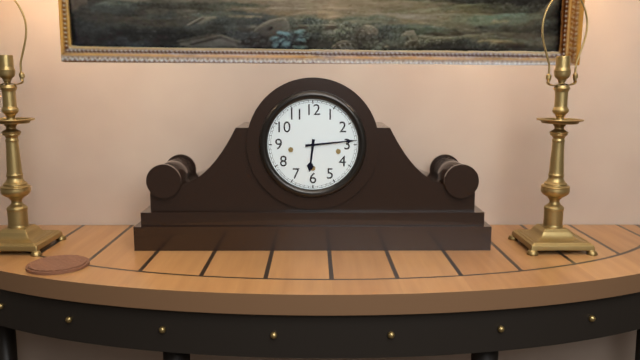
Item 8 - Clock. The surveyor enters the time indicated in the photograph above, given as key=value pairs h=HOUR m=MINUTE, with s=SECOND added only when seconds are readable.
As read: h=6 m=14
